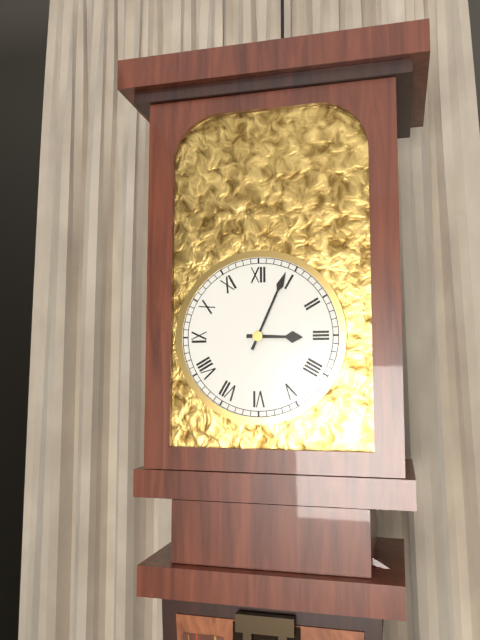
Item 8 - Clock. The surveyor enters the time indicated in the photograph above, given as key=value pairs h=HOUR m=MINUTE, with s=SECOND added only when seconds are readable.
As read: h=3 m=4
